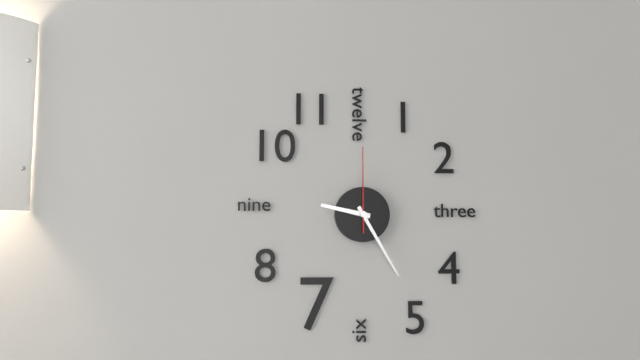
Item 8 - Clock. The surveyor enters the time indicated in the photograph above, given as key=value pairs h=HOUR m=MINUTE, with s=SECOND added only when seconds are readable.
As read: h=9 m=25 s=0
